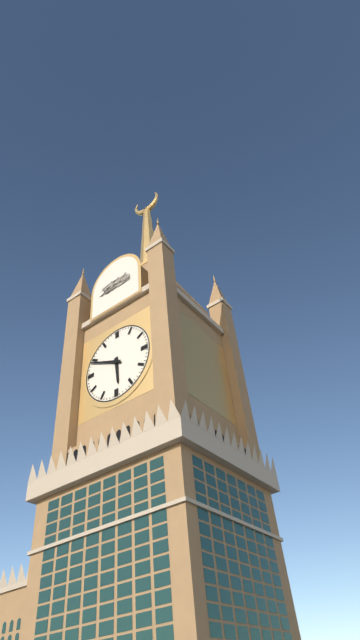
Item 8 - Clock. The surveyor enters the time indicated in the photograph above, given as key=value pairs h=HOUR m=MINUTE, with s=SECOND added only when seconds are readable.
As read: h=5 m=49
